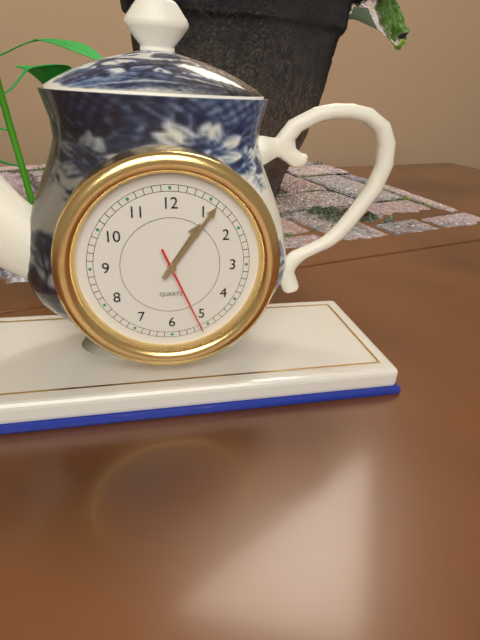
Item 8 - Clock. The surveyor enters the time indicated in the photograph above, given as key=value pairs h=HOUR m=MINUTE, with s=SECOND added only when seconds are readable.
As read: h=1 m=6 s=26
